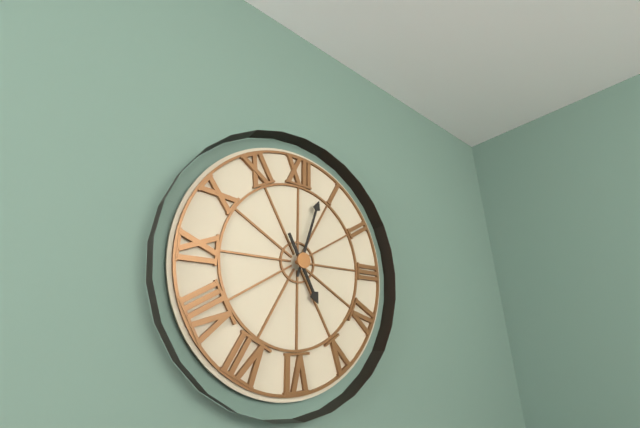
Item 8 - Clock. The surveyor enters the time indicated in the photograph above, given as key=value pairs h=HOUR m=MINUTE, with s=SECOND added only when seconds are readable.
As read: h=5 m=3
